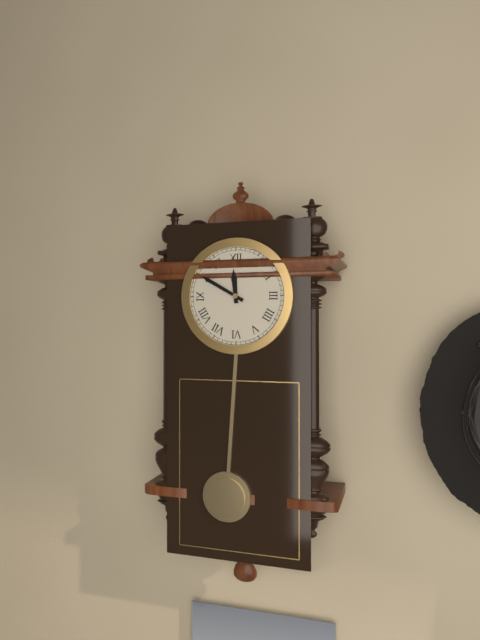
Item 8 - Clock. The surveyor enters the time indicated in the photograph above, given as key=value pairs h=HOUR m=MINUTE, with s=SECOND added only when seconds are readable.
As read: h=11 m=50
